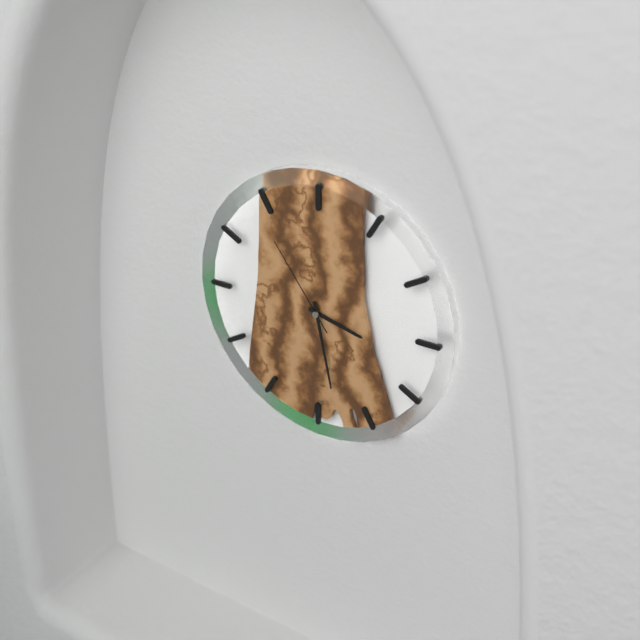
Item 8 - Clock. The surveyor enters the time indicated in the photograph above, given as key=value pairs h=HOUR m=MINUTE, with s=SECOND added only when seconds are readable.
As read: h=3 m=28 s=54
